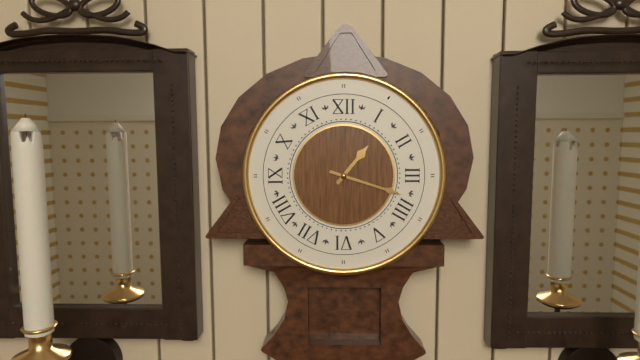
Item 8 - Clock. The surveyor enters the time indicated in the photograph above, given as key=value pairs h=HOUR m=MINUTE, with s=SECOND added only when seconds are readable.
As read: h=1 m=18
